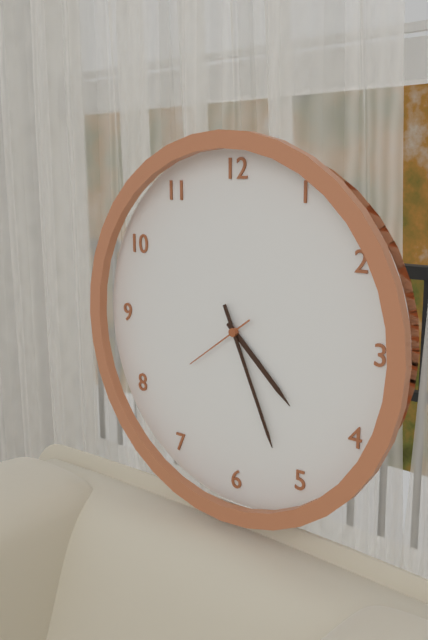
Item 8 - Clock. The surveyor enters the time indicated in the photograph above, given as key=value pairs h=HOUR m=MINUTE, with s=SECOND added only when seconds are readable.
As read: h=4 m=26 s=39
